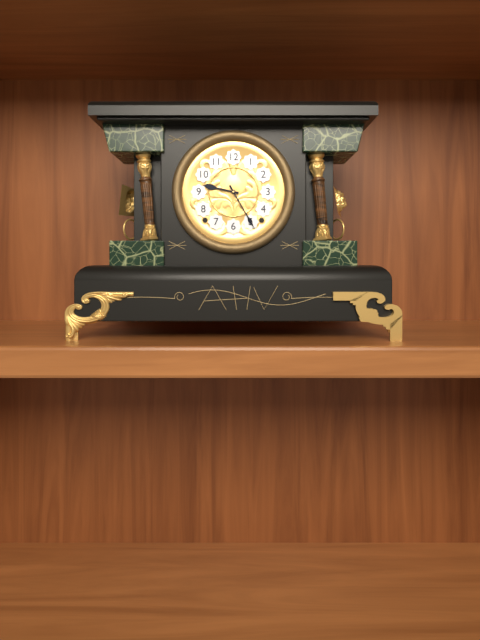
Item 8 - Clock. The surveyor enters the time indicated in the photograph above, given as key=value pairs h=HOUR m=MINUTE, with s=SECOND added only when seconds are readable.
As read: h=9 m=25
